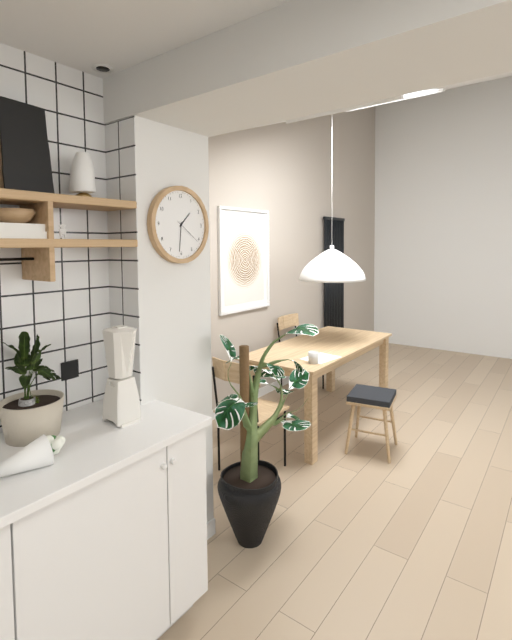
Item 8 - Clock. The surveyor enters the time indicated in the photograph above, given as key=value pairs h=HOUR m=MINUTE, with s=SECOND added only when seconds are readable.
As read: h=1 m=31
